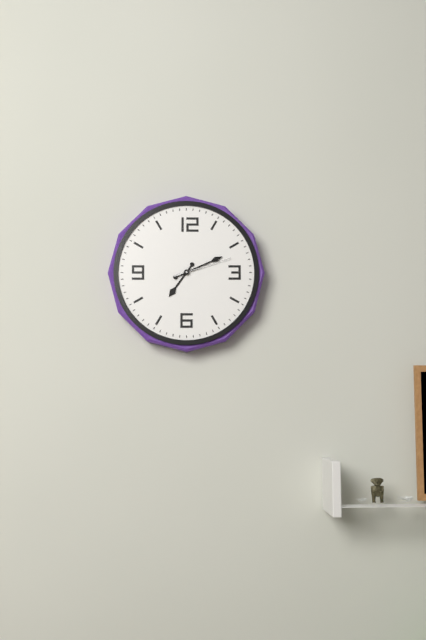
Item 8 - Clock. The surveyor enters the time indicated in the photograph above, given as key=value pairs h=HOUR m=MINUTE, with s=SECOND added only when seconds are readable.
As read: h=7 m=11 s=12
